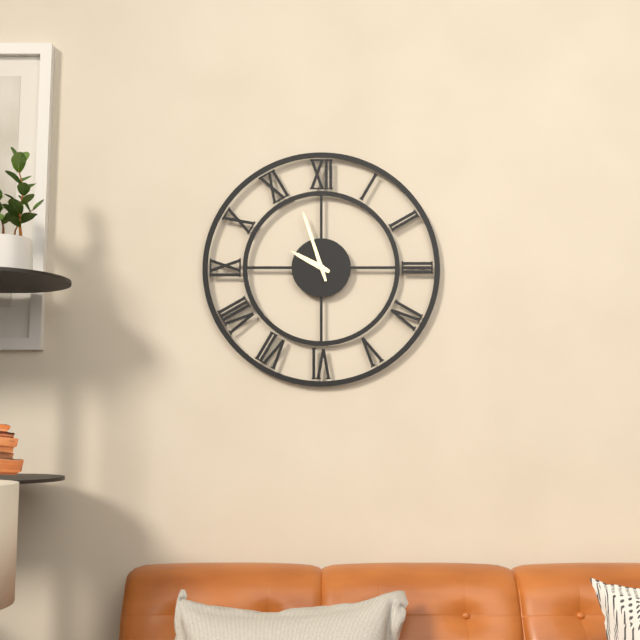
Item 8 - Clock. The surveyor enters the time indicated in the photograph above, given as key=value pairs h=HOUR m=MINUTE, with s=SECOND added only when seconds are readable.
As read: h=9 m=57
